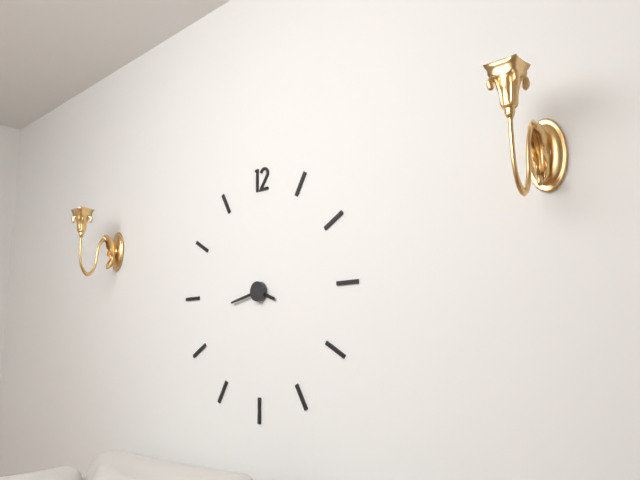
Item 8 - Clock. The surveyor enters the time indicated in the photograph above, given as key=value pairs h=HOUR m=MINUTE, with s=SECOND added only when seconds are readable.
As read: h=3 m=43
